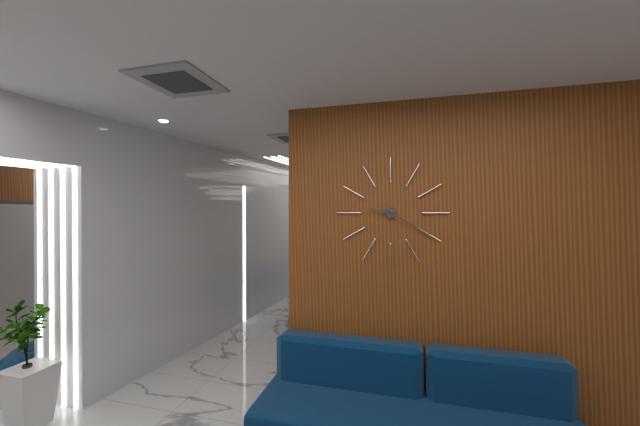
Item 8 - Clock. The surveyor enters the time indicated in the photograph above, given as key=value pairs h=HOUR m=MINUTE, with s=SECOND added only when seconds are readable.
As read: h=9 m=20
